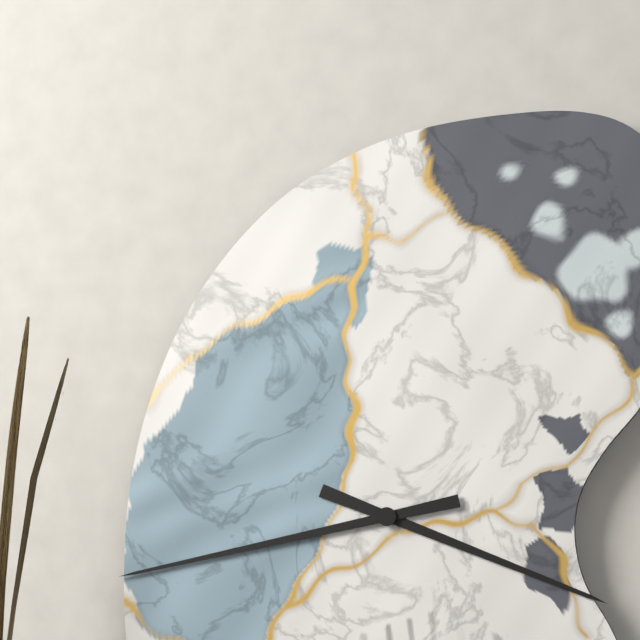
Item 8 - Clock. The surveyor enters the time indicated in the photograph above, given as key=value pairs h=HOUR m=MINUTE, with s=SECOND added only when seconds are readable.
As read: h=3 m=43
